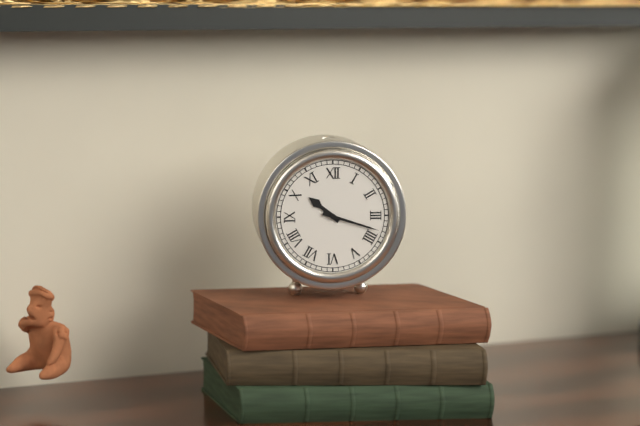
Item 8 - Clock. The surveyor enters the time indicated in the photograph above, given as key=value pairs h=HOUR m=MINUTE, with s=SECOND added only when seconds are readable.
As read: h=10 m=18
